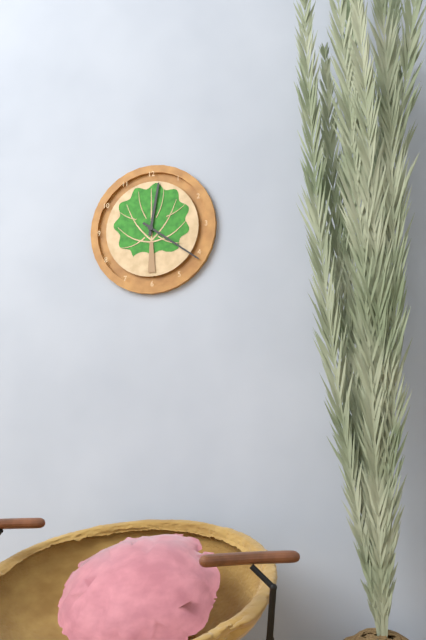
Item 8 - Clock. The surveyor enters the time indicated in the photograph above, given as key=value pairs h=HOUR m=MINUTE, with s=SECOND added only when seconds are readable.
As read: h=12 m=21
